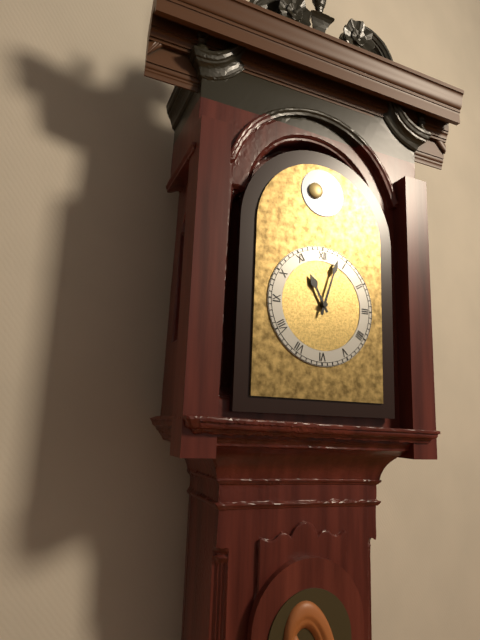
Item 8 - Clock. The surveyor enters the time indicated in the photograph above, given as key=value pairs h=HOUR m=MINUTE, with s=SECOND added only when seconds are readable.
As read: h=11 m=3
